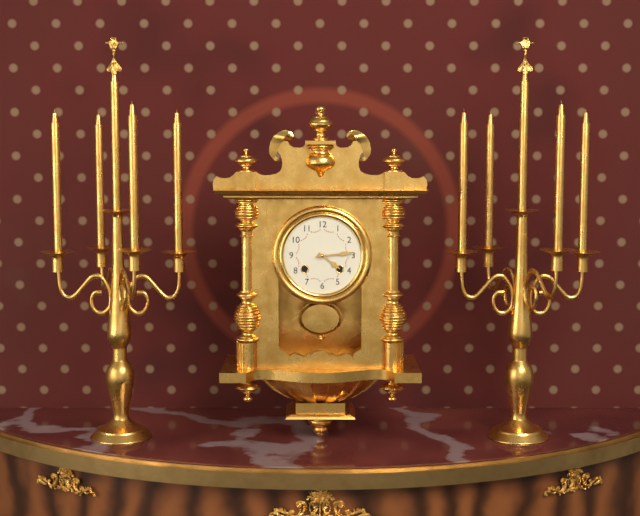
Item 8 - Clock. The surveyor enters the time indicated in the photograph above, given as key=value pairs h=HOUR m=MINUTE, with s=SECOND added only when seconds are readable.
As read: h=4 m=14
